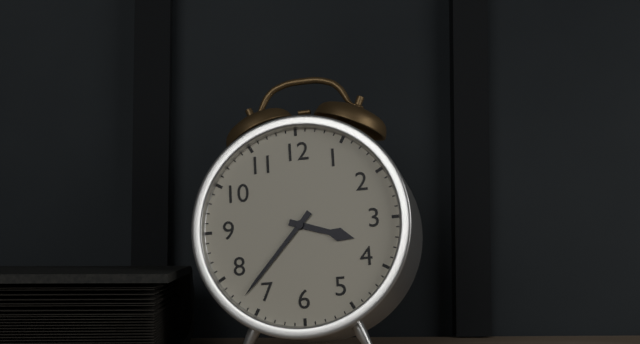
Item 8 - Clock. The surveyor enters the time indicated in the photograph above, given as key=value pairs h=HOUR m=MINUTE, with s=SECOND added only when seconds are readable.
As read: h=3 m=37
